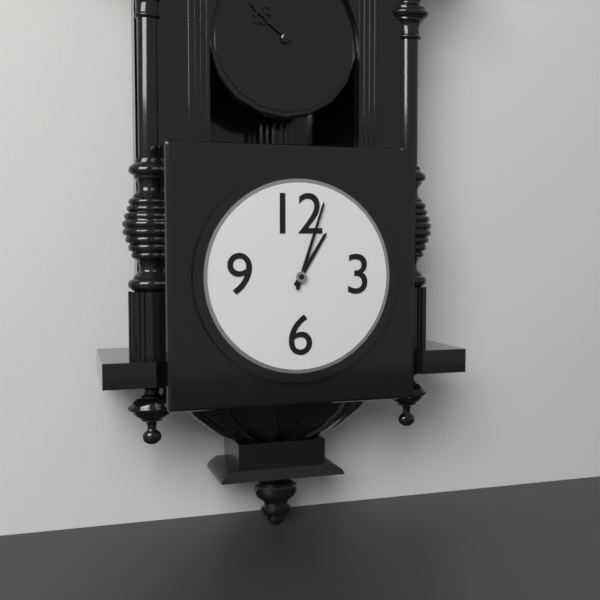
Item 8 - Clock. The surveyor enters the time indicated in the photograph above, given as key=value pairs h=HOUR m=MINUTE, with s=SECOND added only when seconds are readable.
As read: h=1 m=3
